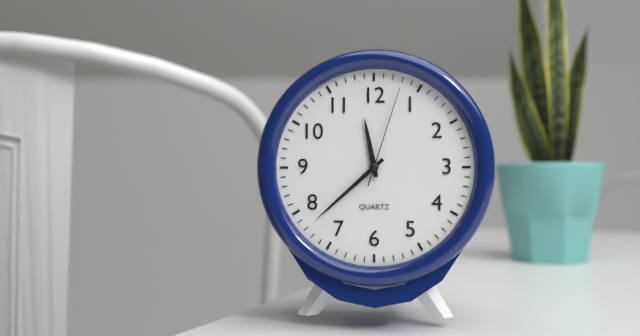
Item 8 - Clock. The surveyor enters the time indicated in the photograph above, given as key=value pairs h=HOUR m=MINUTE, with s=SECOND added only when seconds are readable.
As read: h=11 m=38 s=3
